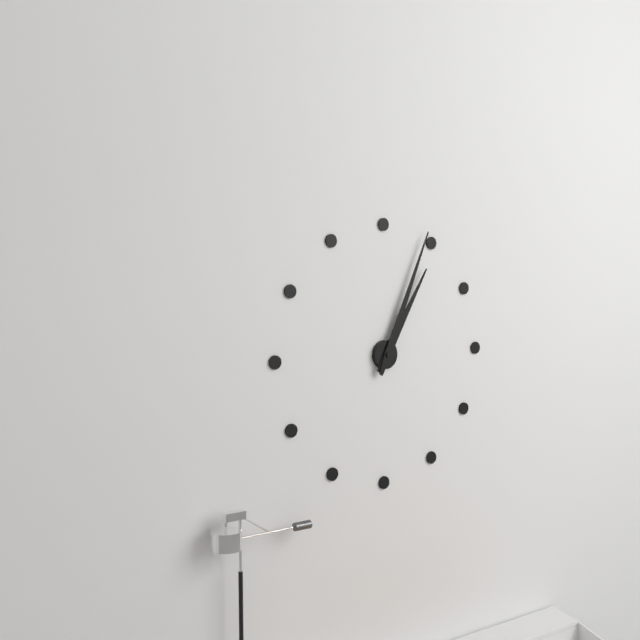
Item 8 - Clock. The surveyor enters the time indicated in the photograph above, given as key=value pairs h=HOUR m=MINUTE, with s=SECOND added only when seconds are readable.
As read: h=1 m=4
